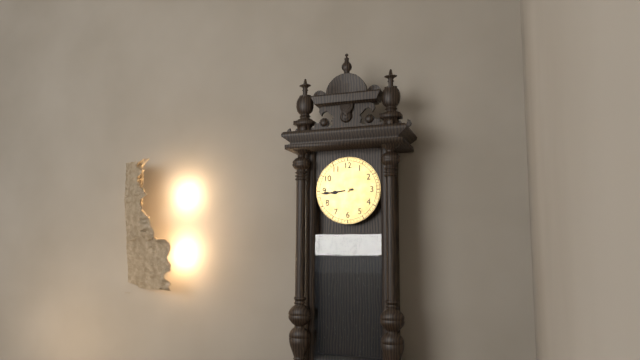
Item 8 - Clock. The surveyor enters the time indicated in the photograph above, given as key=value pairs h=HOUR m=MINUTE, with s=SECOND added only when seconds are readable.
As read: h=8 m=44
